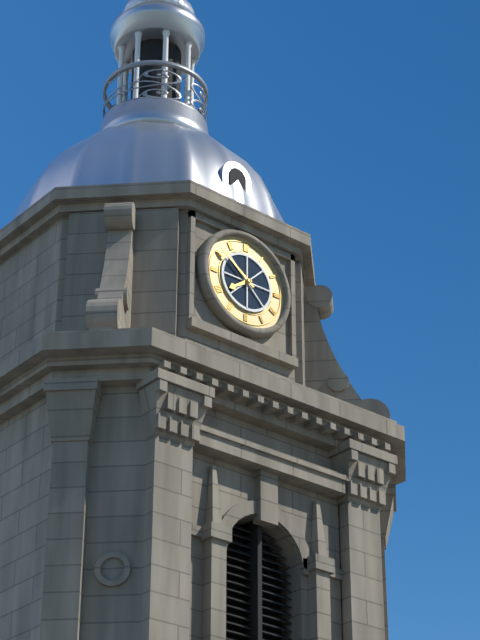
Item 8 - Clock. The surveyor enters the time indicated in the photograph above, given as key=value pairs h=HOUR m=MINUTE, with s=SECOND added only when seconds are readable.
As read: h=7 m=51
